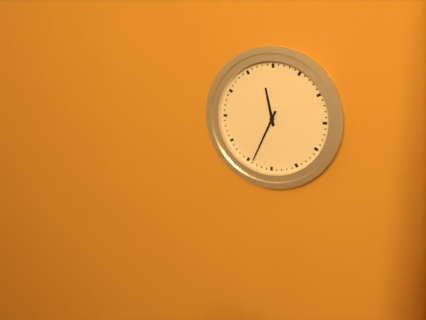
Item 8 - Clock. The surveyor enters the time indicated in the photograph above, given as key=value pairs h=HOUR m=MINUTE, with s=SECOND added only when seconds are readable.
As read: h=11 m=34
